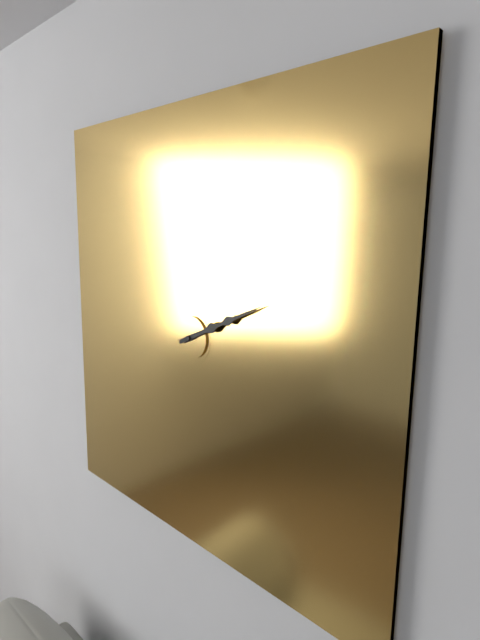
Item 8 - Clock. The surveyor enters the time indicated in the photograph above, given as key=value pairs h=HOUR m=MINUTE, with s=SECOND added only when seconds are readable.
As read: h=2 m=11
